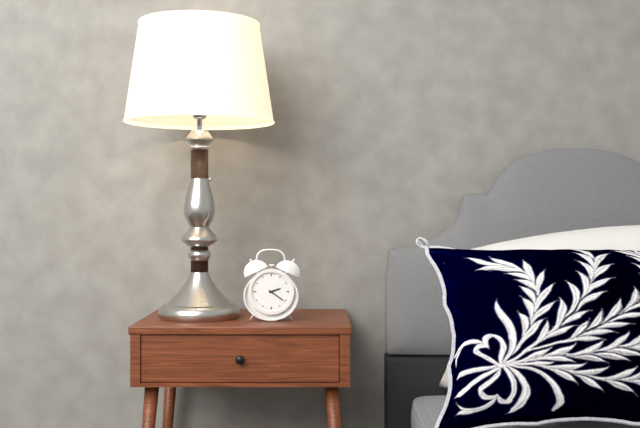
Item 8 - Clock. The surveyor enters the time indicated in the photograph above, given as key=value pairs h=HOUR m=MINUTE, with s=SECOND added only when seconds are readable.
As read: h=2 m=21
